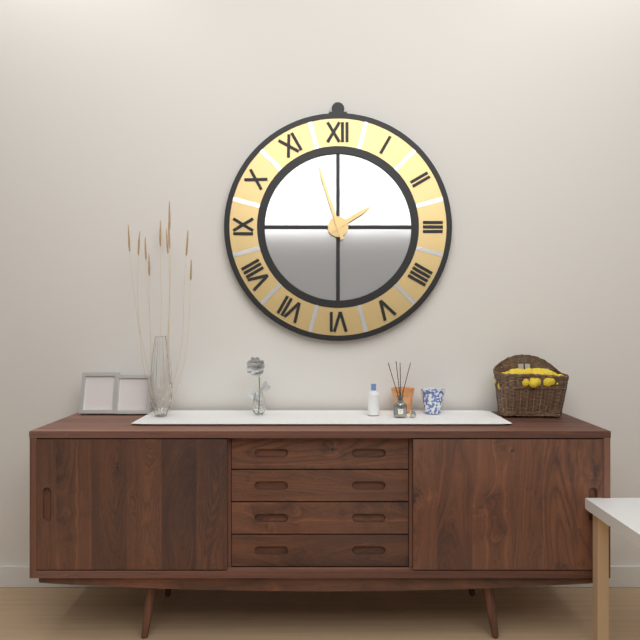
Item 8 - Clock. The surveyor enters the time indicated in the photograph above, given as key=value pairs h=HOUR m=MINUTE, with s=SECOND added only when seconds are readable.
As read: h=1 m=57
